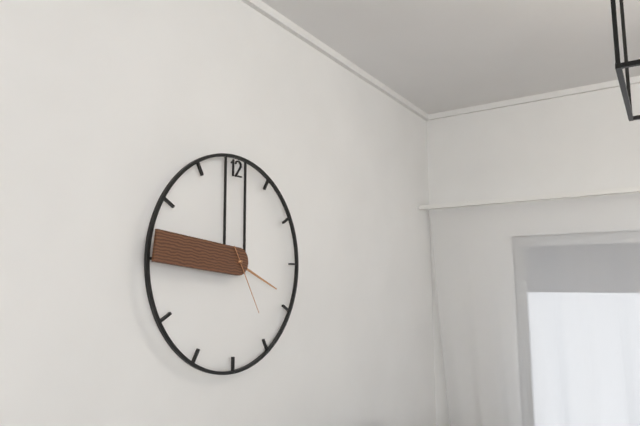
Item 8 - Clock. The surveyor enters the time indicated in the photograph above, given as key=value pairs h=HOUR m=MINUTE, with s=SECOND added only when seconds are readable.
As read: h=3 m=46 s=25
